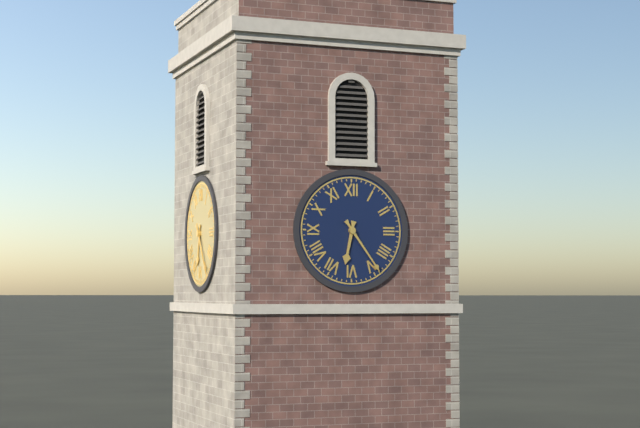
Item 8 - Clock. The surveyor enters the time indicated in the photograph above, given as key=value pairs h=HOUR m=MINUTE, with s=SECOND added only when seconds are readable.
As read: h=6 m=24
